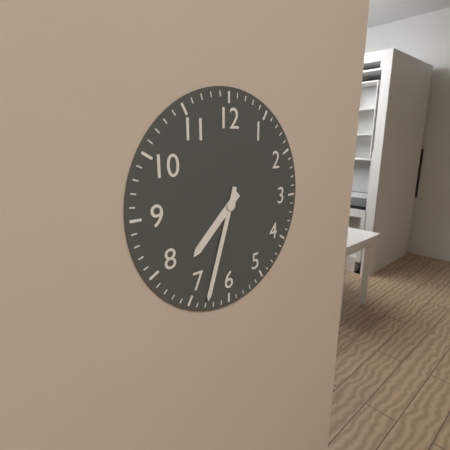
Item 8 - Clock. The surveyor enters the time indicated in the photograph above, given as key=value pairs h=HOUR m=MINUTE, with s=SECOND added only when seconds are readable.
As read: h=7 m=33
